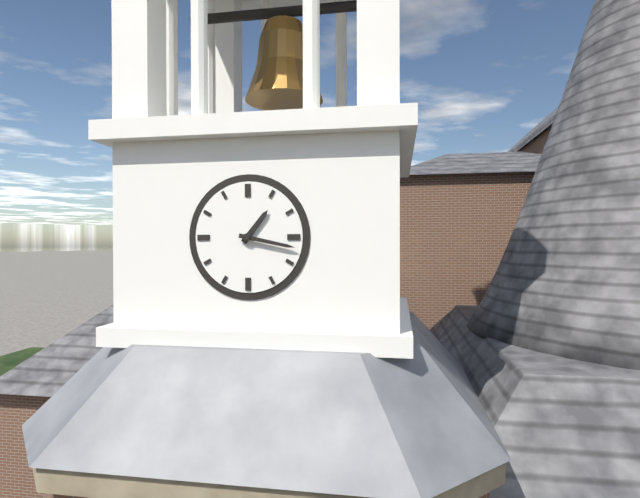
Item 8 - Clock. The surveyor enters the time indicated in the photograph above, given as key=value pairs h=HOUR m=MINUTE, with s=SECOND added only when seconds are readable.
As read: h=1 m=17
